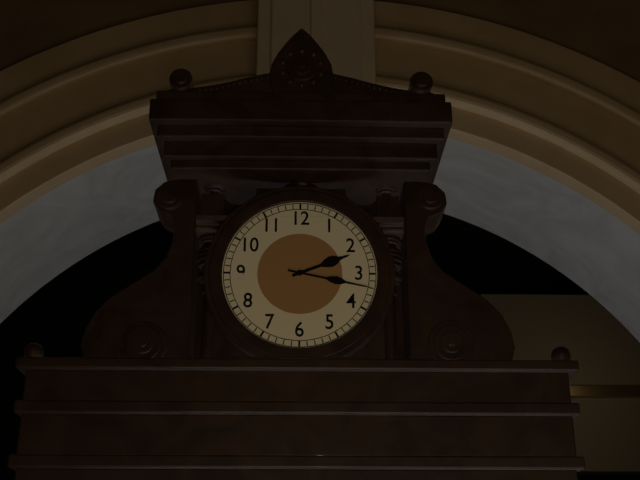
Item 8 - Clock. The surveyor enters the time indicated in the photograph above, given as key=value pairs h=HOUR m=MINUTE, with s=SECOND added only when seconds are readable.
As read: h=2 m=17
